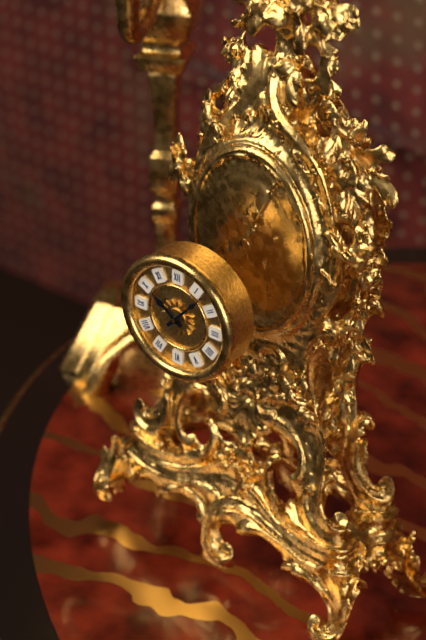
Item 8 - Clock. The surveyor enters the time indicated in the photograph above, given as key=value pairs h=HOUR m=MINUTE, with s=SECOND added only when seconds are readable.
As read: h=10 m=7
